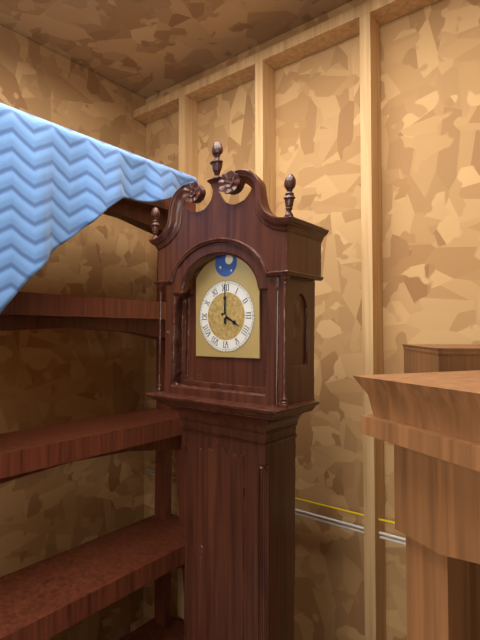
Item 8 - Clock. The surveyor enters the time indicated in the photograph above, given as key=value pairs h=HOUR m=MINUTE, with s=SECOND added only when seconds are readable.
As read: h=4 m=0
